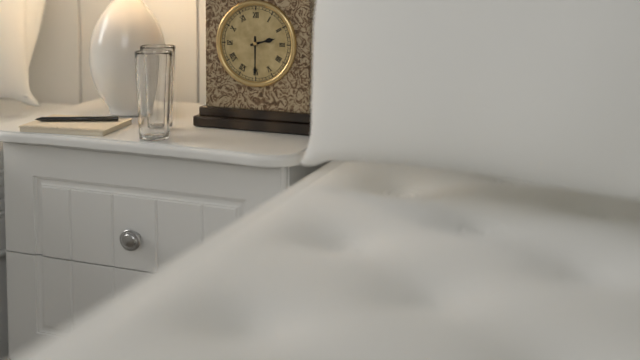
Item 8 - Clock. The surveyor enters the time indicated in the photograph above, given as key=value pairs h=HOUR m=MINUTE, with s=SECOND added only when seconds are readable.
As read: h=2 m=30
